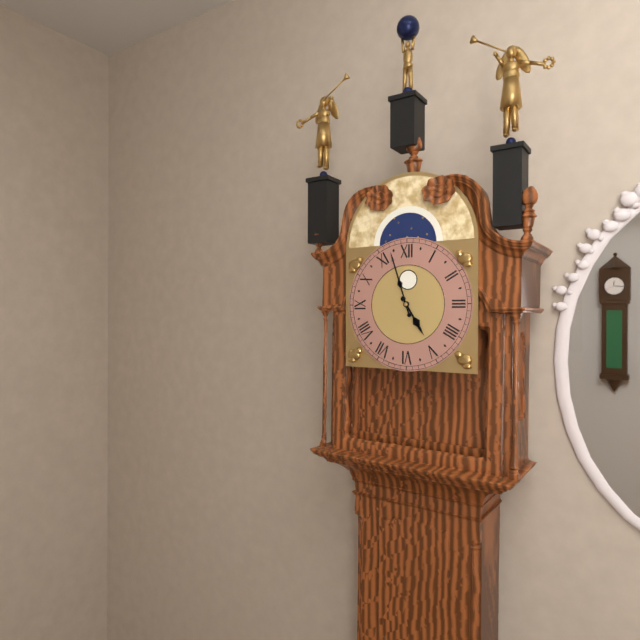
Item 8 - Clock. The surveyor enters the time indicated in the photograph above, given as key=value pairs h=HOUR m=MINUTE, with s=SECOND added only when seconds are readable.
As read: h=4 m=57
